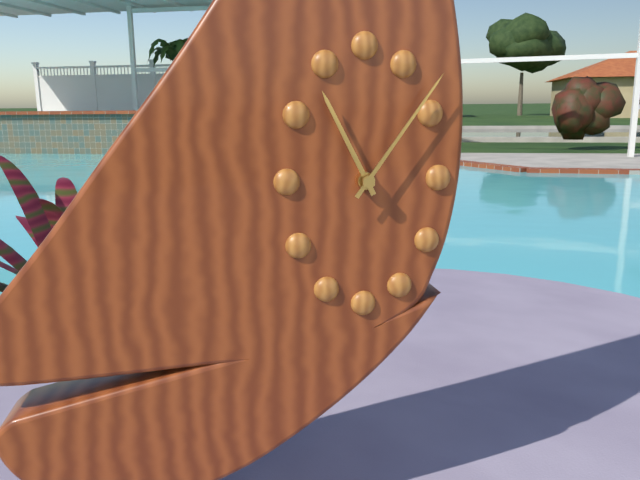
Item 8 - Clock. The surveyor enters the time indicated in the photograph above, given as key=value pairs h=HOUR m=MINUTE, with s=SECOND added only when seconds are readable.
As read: h=11 m=6
